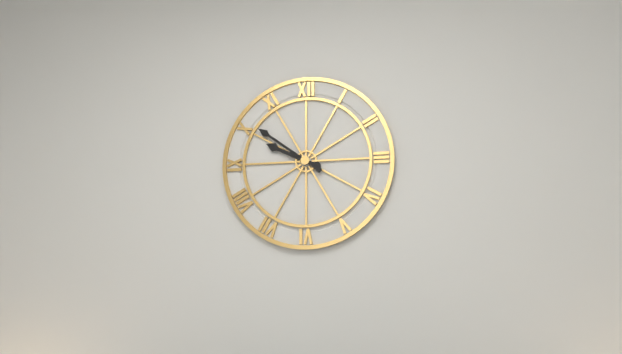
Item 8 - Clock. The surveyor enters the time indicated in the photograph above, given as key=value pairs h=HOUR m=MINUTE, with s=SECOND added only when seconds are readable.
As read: h=9 m=51
